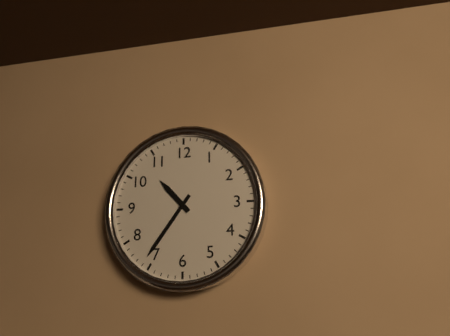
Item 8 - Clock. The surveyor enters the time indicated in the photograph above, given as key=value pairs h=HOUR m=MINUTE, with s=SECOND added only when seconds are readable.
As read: h=10 m=36
